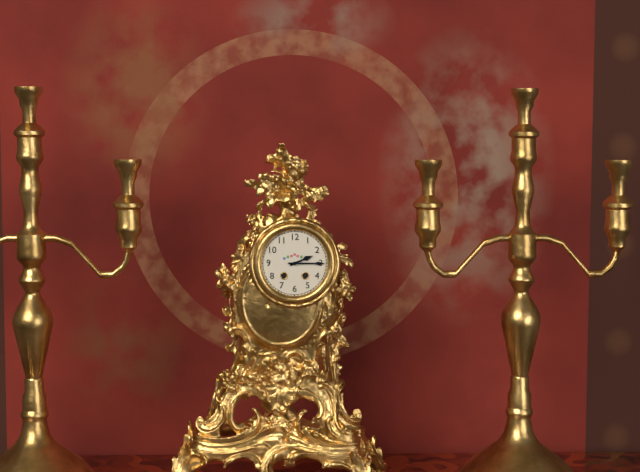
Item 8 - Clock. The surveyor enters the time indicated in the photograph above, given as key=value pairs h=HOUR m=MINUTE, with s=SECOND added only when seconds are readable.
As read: h=2 m=15
